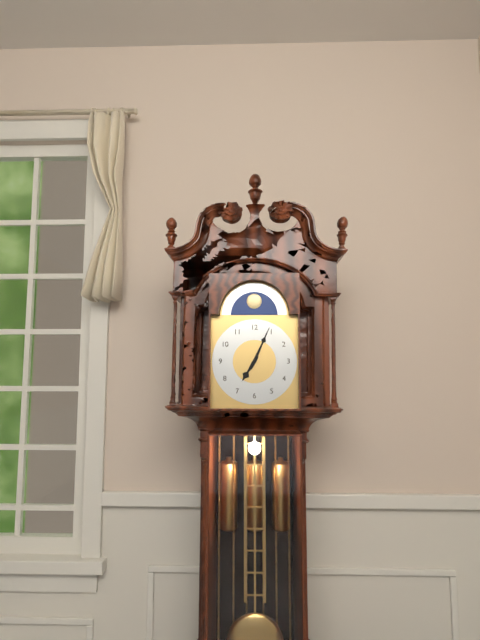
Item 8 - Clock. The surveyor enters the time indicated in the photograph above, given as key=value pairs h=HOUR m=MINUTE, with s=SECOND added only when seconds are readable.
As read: h=7 m=4
